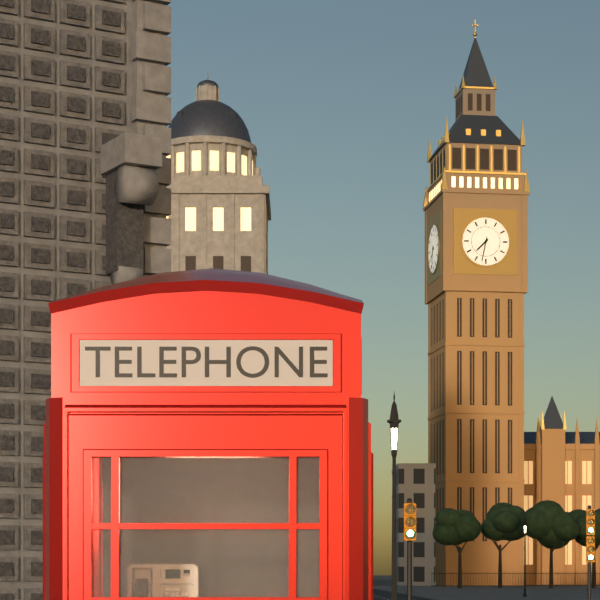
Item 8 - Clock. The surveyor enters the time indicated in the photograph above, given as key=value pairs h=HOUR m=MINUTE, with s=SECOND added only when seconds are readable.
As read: h=7 m=32
